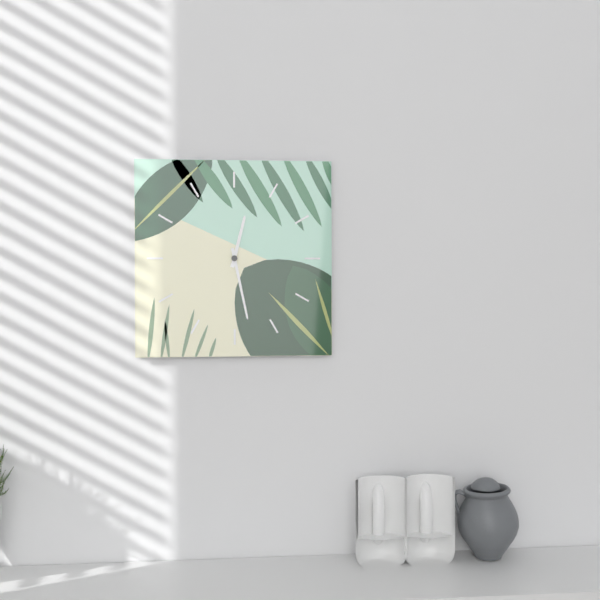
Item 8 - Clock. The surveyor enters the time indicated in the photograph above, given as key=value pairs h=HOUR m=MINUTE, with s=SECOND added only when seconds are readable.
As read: h=12 m=28
